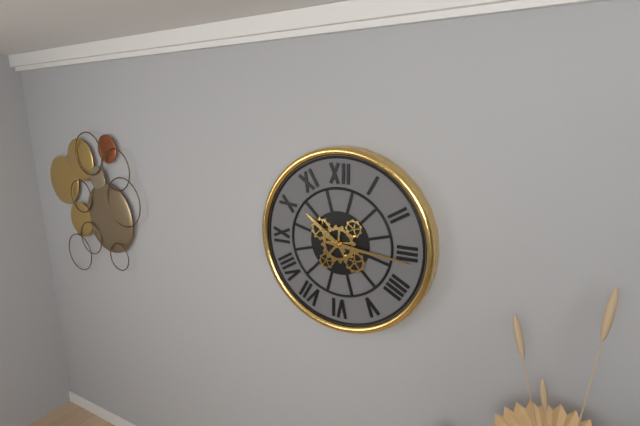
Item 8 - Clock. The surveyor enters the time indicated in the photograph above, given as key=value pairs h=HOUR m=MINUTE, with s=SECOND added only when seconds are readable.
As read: h=10 m=16
